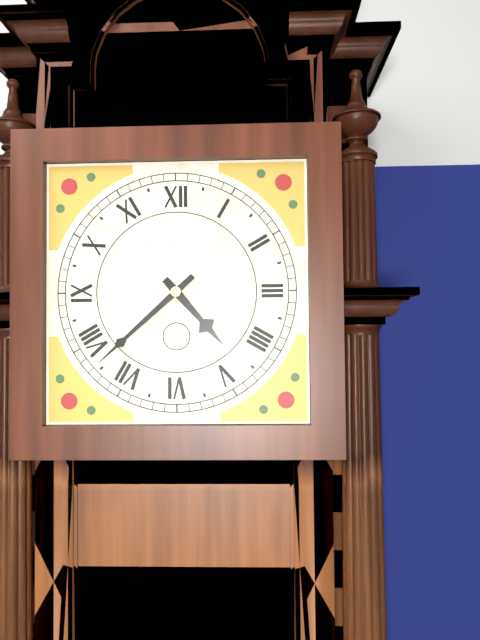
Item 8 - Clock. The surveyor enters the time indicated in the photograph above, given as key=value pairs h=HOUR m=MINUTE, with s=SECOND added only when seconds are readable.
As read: h=4 m=38
